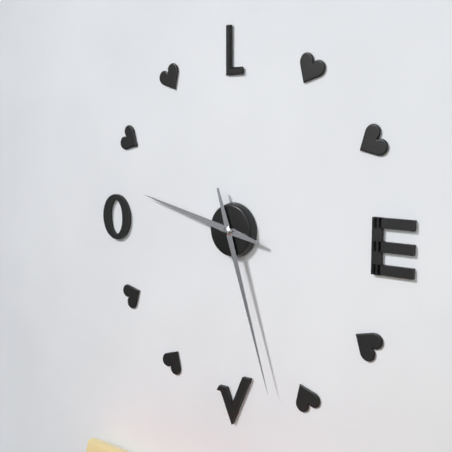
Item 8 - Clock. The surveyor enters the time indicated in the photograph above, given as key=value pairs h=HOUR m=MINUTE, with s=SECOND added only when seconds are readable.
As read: h=9 m=27
